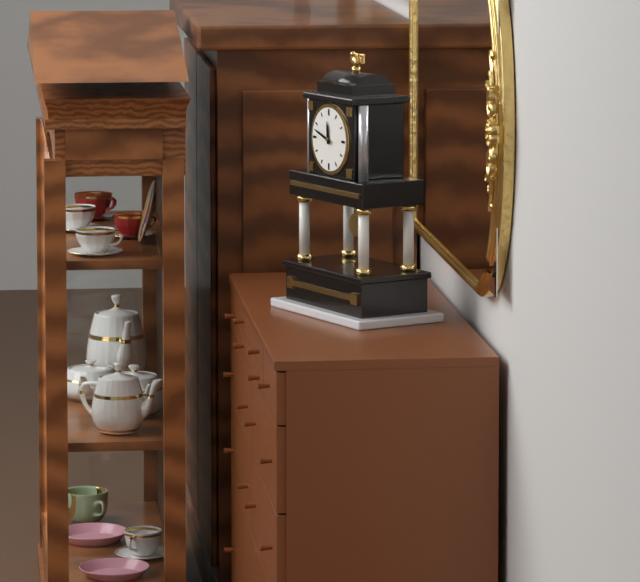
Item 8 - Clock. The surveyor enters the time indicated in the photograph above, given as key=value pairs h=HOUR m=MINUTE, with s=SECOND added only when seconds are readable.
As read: h=11 m=48
